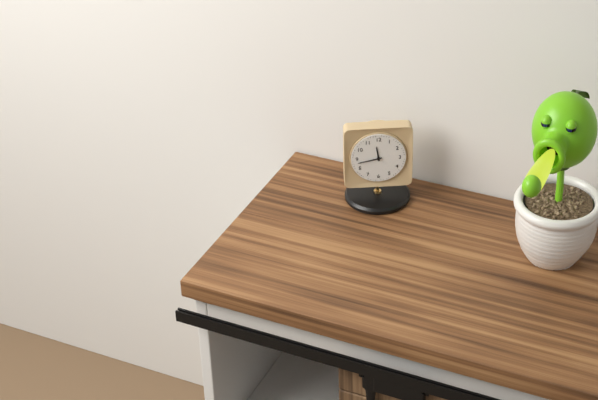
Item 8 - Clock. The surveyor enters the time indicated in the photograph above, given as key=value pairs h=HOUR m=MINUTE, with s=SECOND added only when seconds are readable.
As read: h=11 m=43
